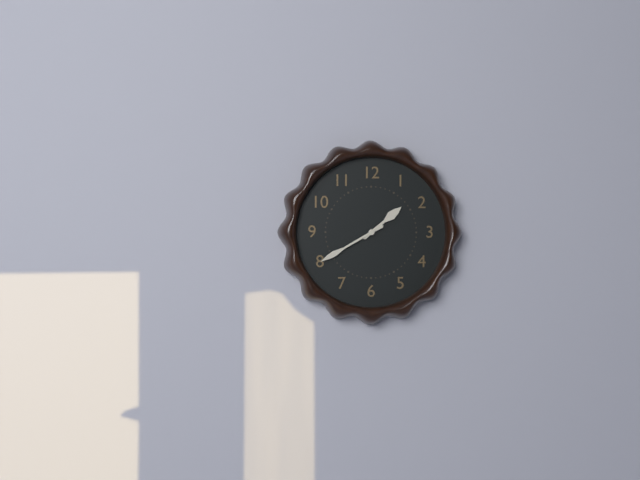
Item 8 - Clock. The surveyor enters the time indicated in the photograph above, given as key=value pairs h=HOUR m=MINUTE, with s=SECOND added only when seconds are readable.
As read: h=1 m=40
